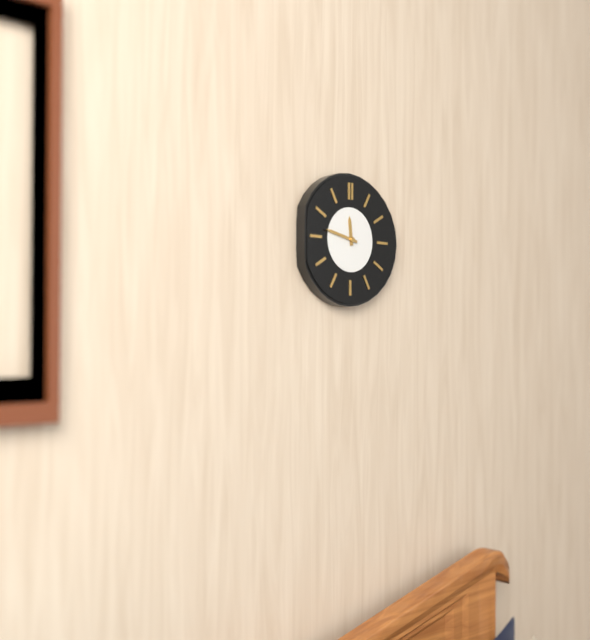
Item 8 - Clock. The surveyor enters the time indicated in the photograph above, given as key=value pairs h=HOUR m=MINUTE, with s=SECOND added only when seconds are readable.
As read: h=11 m=47
